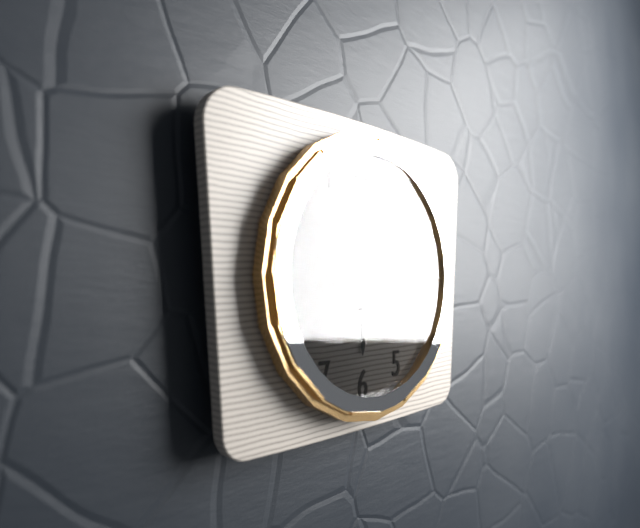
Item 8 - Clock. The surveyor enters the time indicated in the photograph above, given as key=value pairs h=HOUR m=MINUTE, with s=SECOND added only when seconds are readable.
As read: h=6 m=4
